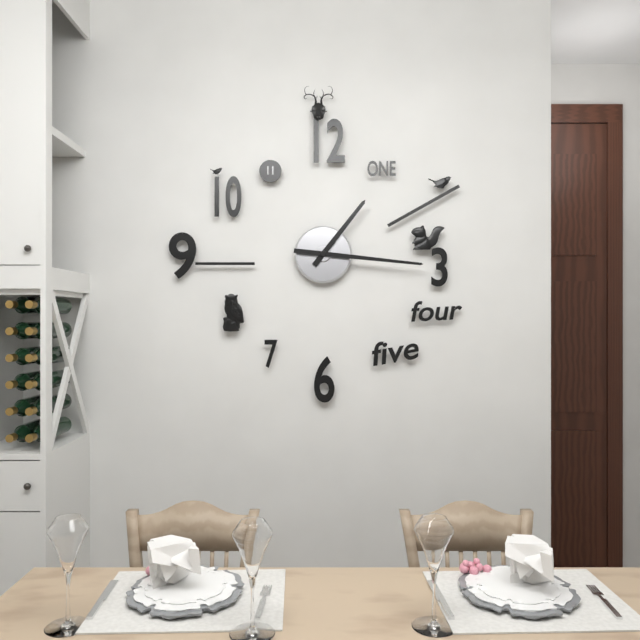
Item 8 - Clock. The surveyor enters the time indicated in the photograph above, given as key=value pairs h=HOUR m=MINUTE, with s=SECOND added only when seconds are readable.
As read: h=1 m=16
